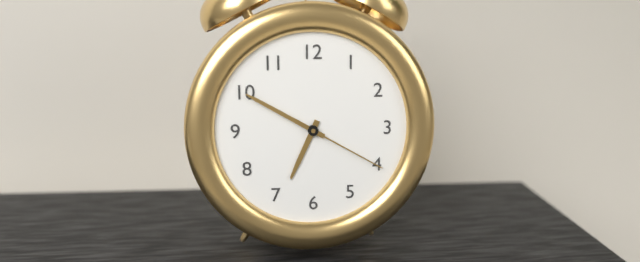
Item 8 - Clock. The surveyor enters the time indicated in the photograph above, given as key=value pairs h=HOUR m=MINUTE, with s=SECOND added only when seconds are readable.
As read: h=6 m=50 s=20
